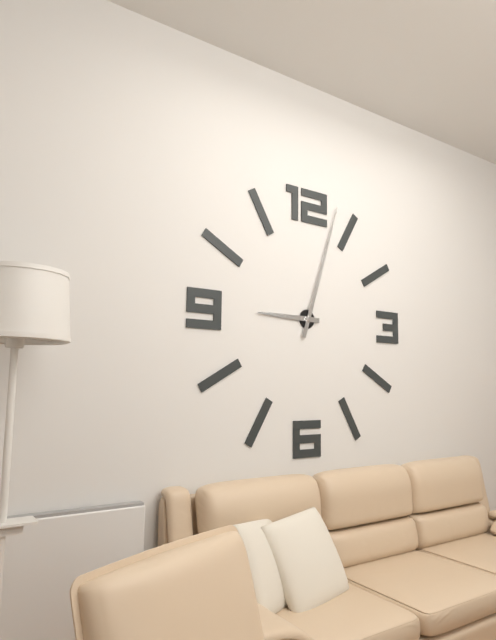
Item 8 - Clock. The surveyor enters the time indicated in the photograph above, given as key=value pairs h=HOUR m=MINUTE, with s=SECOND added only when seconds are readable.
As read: h=9 m=3
